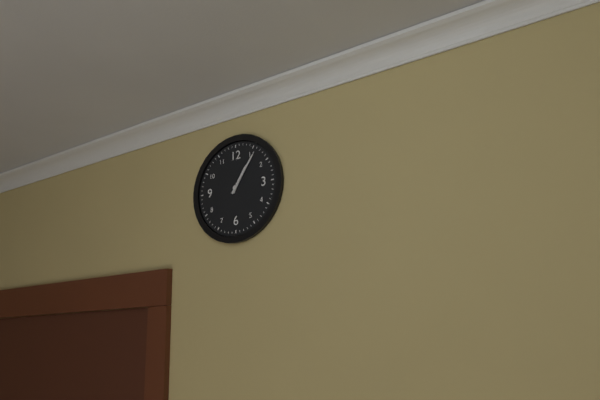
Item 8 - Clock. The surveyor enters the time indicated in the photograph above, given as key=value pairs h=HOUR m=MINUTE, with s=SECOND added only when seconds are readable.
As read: h=1 m=6
